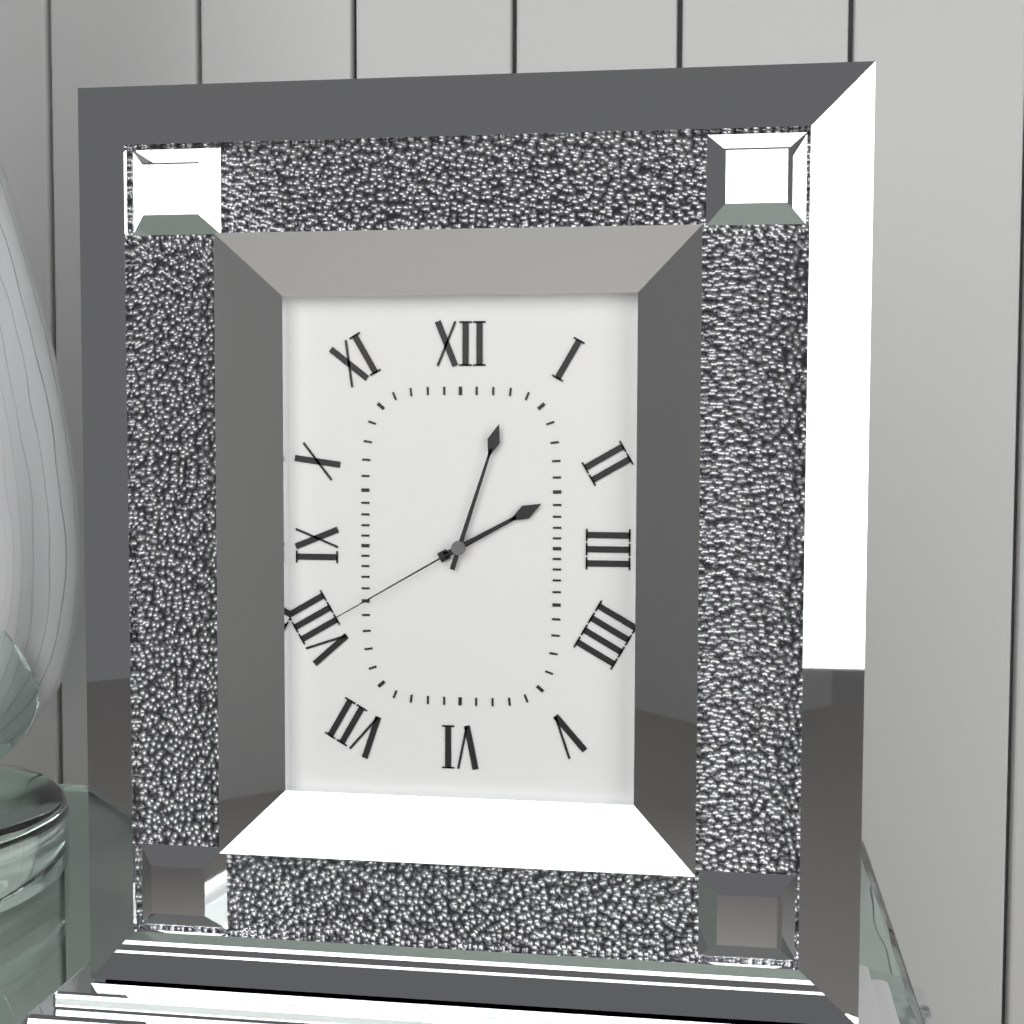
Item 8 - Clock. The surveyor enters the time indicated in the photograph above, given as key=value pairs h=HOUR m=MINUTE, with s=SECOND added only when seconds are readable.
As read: h=2 m=3 s=40
